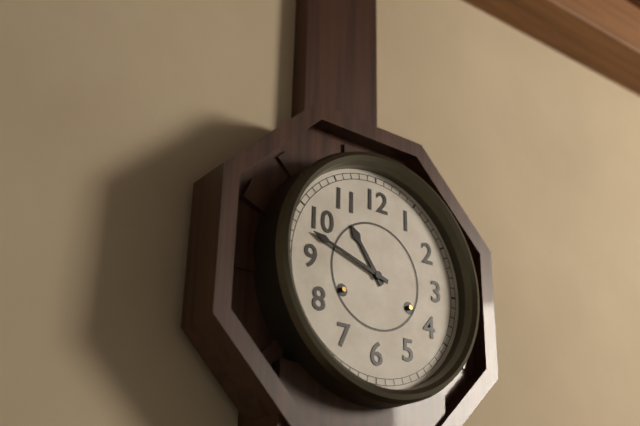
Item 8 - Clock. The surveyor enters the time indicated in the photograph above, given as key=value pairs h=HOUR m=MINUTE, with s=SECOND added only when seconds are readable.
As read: h=10 m=48
